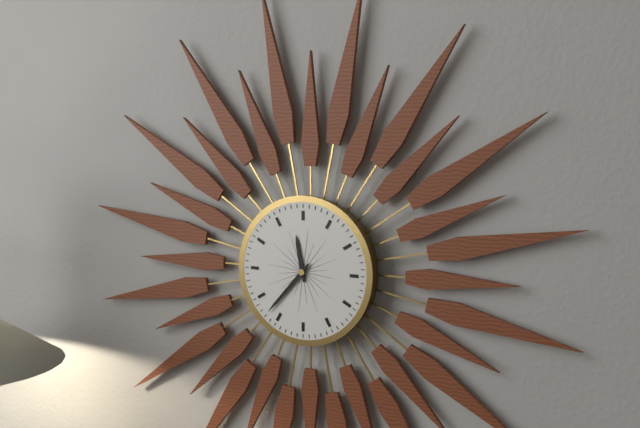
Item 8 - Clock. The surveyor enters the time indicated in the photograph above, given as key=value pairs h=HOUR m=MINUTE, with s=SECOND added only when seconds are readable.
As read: h=11 m=37
